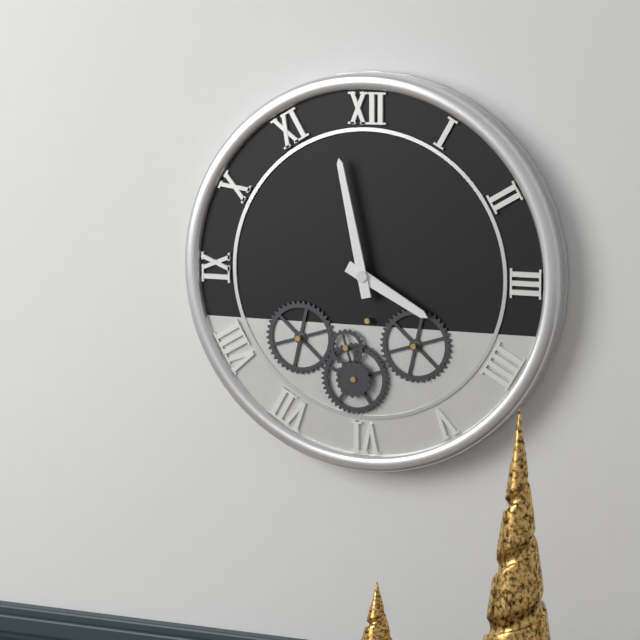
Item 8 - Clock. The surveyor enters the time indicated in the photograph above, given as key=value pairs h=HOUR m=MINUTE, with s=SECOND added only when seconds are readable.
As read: h=3 m=58
